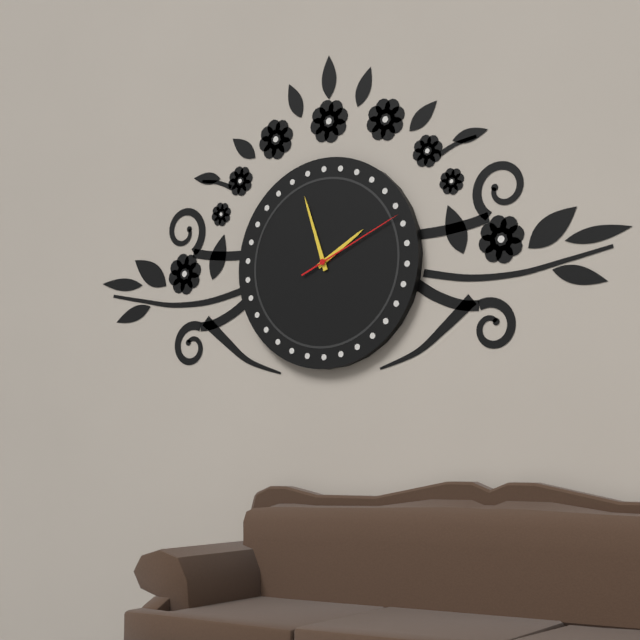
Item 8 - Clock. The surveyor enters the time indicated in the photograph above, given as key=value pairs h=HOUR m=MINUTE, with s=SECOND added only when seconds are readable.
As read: h=1 m=57 s=11
